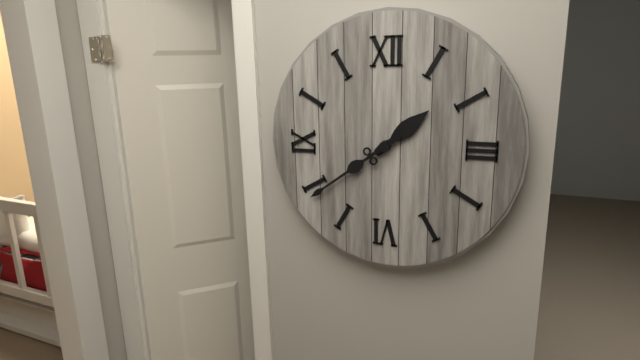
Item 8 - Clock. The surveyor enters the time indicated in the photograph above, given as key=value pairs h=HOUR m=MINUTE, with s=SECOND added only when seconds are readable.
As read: h=1 m=39
